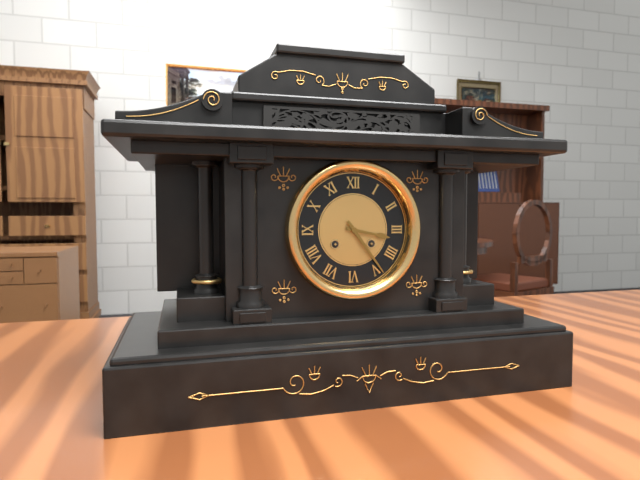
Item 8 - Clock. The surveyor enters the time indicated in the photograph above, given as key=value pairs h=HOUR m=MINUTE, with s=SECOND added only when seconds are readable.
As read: h=3 m=24
